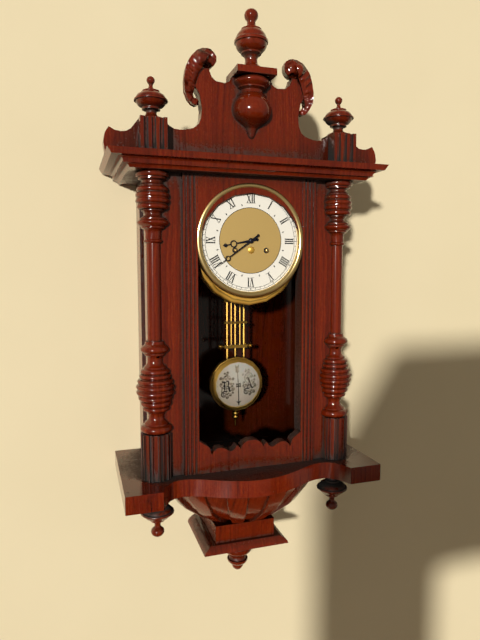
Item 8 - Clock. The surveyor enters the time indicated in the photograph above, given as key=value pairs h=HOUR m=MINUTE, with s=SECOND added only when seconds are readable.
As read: h=8 m=39
